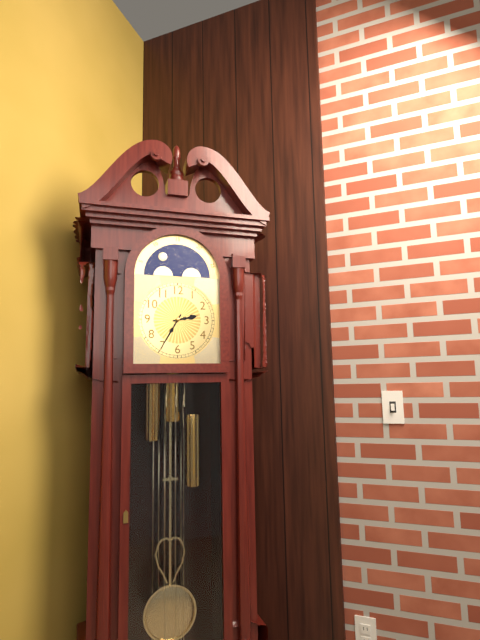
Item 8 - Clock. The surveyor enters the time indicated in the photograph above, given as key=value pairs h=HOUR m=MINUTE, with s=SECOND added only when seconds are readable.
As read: h=2 m=35
